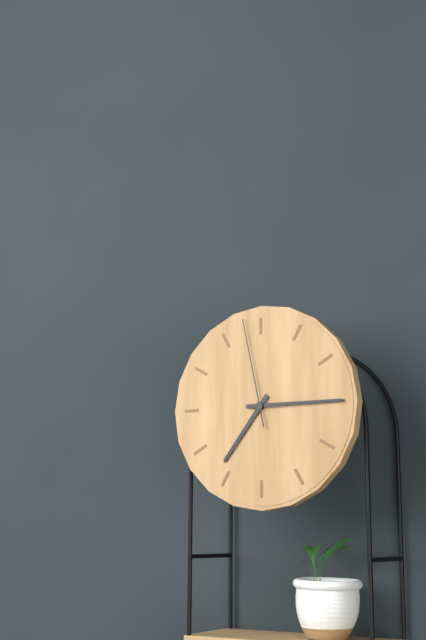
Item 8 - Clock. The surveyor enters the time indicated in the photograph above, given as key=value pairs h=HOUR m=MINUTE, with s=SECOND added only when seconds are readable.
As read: h=7 m=15 s=58
